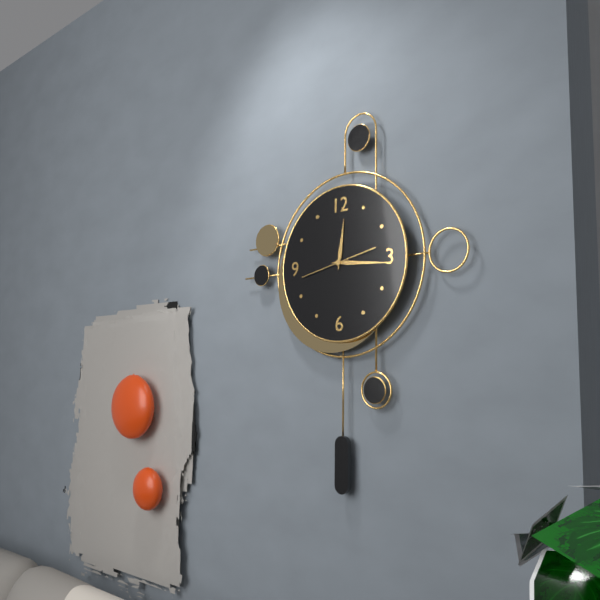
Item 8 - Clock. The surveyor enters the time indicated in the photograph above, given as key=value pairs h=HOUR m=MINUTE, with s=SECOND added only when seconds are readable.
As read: h=12 m=16 s=43
